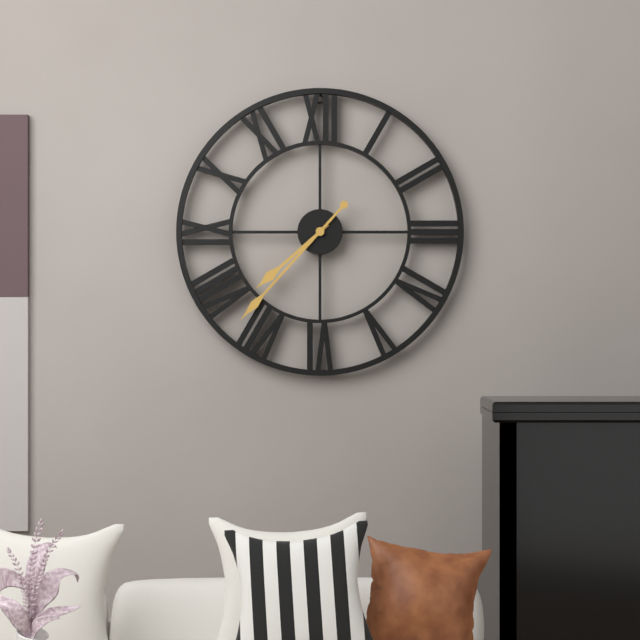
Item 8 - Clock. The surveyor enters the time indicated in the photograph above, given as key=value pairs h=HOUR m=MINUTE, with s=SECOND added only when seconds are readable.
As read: h=7 m=37
